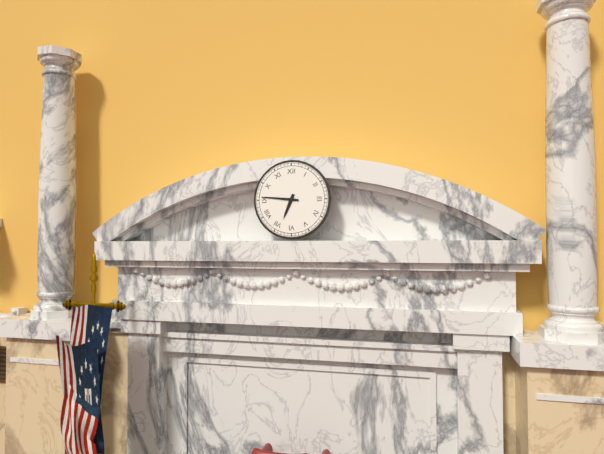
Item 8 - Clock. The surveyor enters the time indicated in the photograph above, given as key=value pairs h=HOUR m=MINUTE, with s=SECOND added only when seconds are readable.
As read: h=6 m=46
